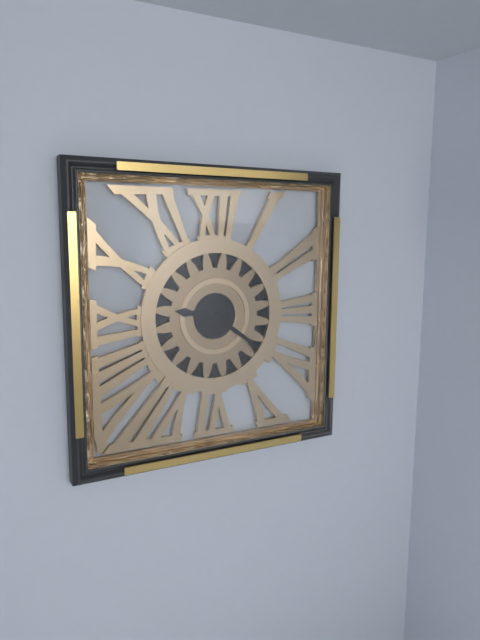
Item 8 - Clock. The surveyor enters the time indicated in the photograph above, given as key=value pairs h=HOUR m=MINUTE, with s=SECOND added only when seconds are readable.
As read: h=9 m=21
